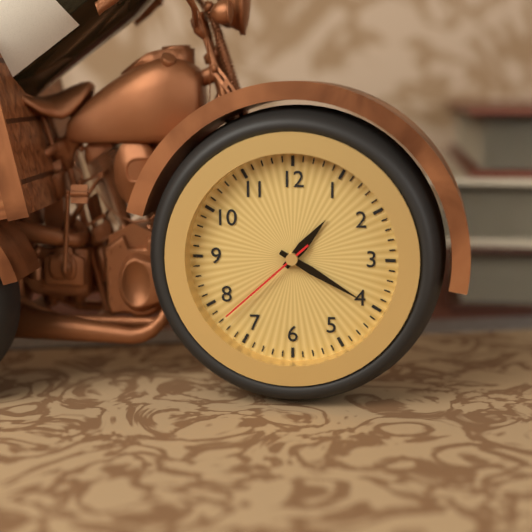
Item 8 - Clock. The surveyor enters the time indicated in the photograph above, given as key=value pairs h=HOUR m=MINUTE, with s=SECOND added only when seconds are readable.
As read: h=1 m=20 s=38
